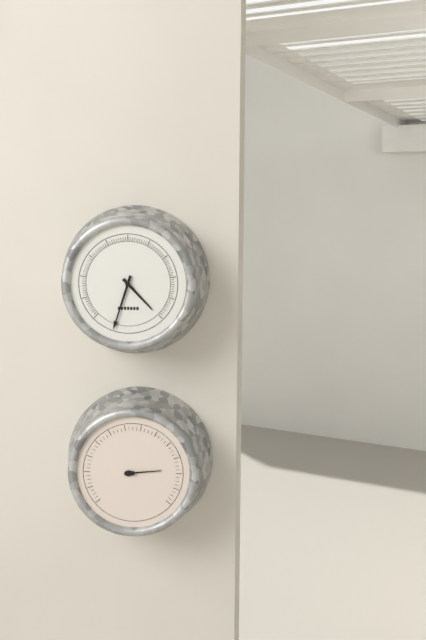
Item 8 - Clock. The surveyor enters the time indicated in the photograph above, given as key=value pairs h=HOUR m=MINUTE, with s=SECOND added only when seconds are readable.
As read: h=4 m=33
